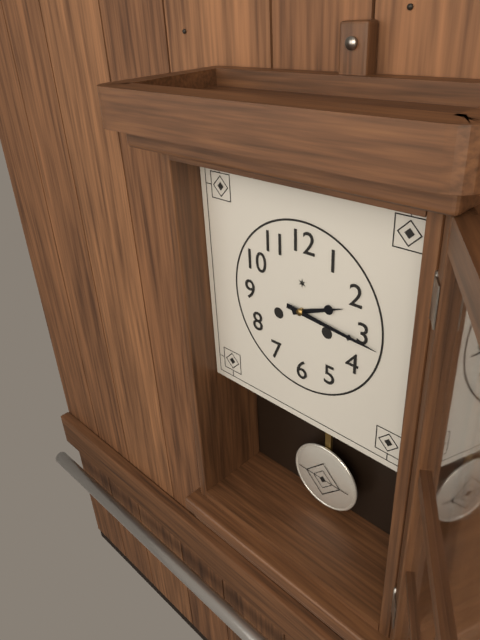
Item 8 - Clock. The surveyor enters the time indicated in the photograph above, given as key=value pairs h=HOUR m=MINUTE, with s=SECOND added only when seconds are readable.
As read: h=2 m=16
